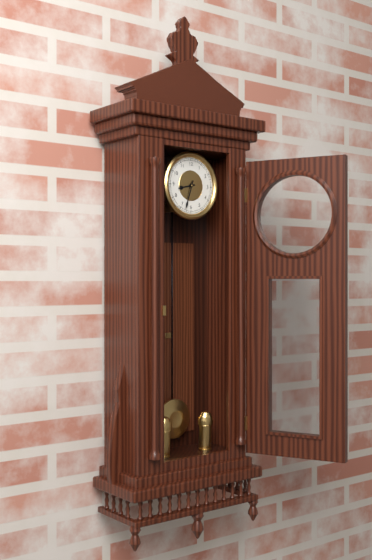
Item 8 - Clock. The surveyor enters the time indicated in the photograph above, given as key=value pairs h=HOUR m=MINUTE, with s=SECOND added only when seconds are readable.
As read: h=8 m=33
